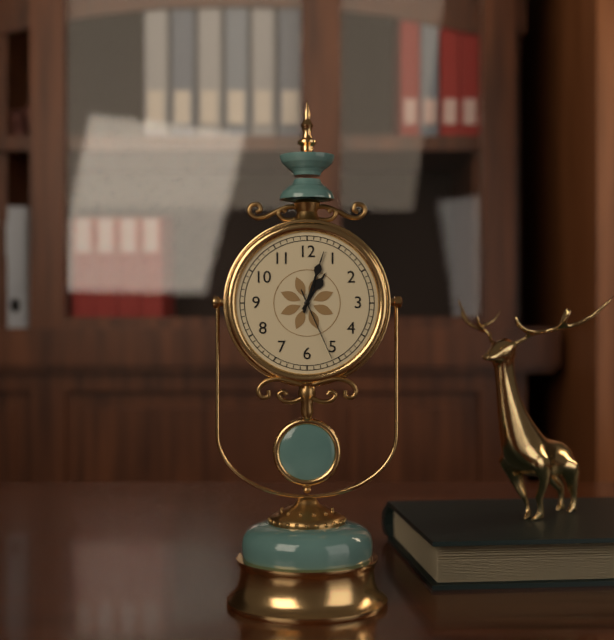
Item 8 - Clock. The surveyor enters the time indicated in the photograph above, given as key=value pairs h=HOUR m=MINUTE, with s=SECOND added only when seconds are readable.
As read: h=1 m=3 s=26
